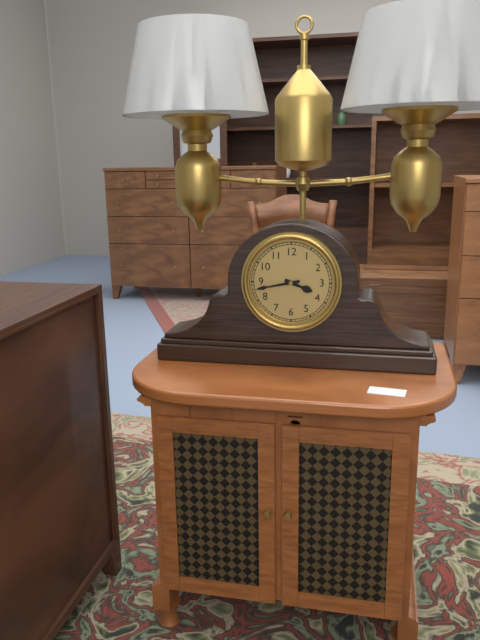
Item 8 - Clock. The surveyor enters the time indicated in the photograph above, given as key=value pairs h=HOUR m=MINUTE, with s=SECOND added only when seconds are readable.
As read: h=3 m=43
